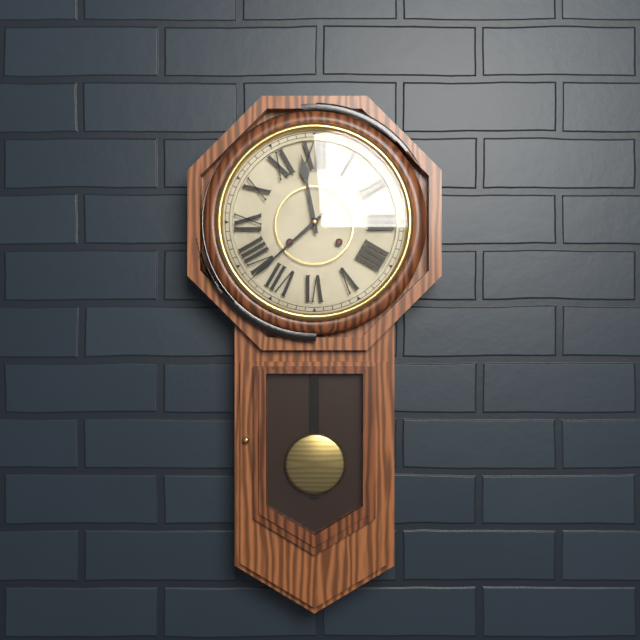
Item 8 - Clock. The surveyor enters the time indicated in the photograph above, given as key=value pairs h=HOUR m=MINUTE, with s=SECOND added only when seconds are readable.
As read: h=11 m=38
